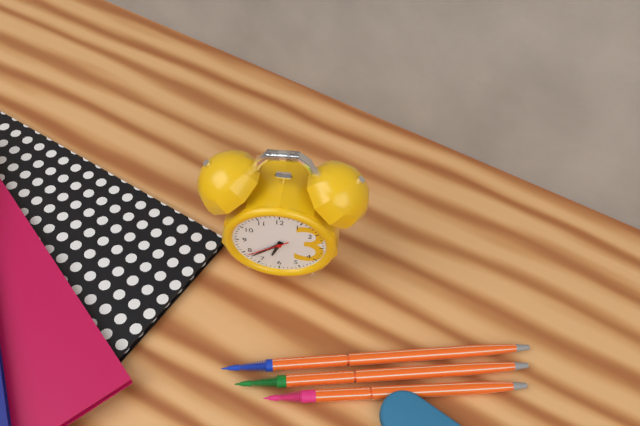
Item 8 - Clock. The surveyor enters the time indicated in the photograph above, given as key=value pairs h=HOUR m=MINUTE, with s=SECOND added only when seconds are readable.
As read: h=6 m=38
